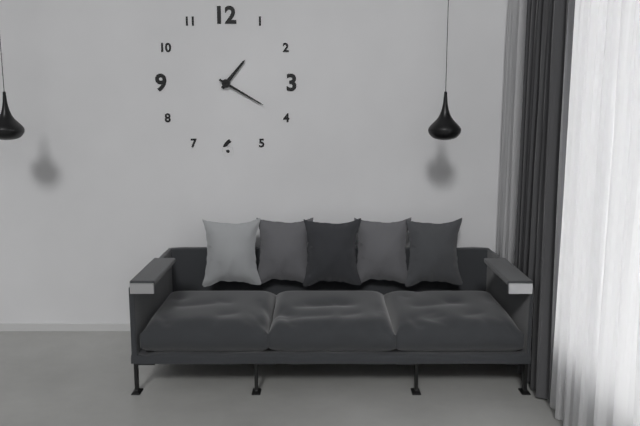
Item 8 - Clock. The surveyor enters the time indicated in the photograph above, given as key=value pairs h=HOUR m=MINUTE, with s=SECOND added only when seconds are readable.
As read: h=1 m=20
